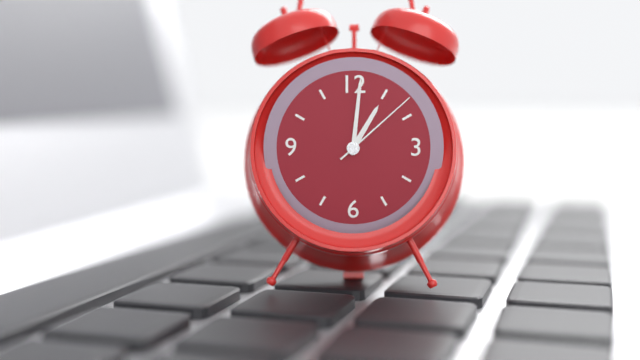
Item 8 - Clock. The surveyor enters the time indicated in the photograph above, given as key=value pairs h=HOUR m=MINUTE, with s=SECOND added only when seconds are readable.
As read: h=1 m=1 s=8
